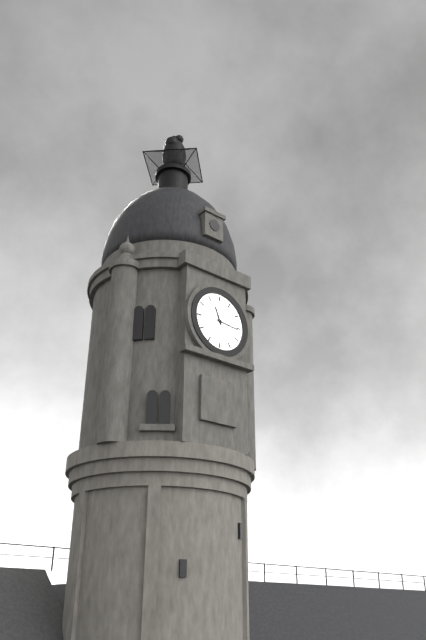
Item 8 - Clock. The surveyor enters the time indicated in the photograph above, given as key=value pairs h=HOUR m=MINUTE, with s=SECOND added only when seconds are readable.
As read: h=11 m=16
